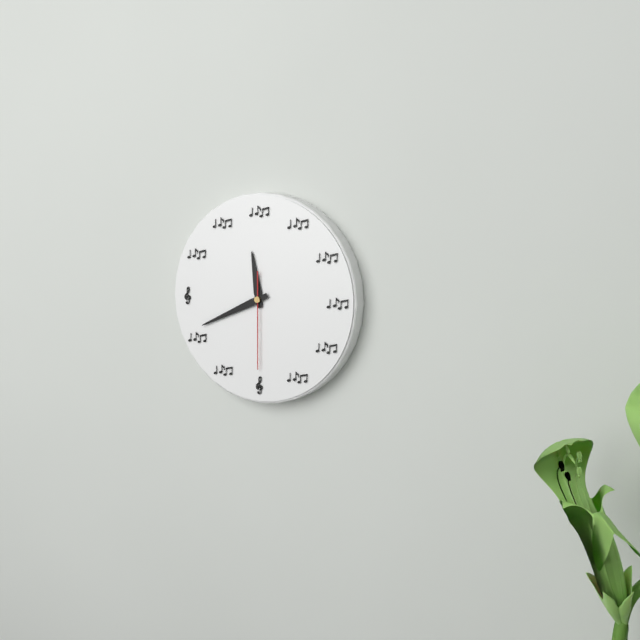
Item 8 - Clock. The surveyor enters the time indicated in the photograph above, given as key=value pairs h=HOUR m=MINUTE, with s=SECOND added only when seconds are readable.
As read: h=11 m=41 s=30
